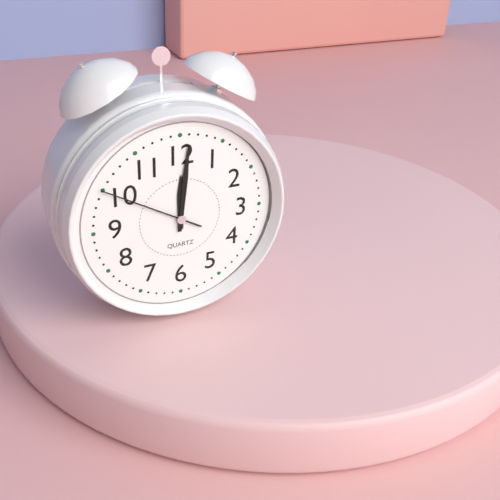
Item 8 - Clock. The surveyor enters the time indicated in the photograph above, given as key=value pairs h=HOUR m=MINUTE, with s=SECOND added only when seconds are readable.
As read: h=12 m=1 s=50
